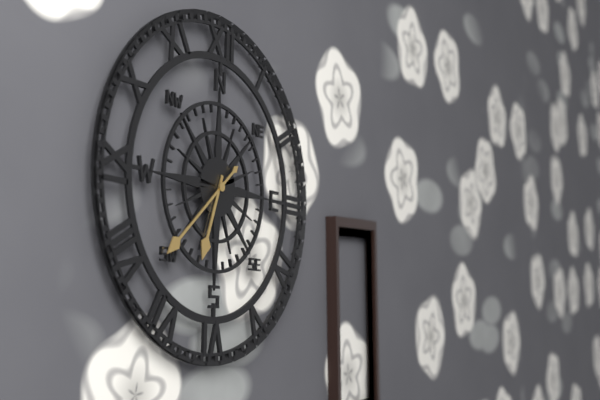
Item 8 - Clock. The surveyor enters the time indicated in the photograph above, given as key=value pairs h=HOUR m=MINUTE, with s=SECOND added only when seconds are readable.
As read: h=6 m=38
